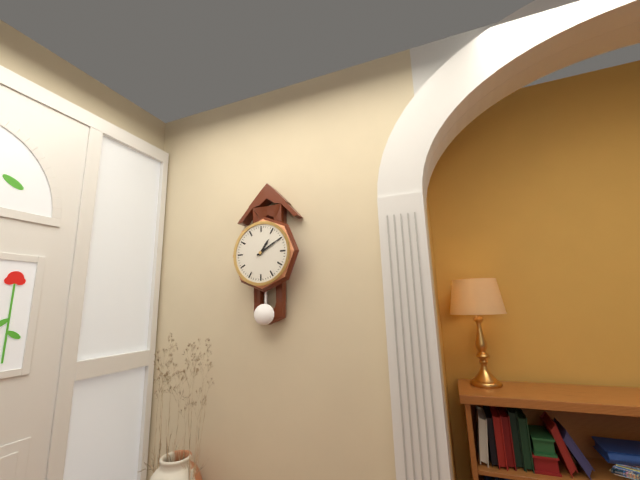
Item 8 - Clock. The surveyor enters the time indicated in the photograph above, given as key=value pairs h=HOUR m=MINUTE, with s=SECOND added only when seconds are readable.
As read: h=1 m=10
